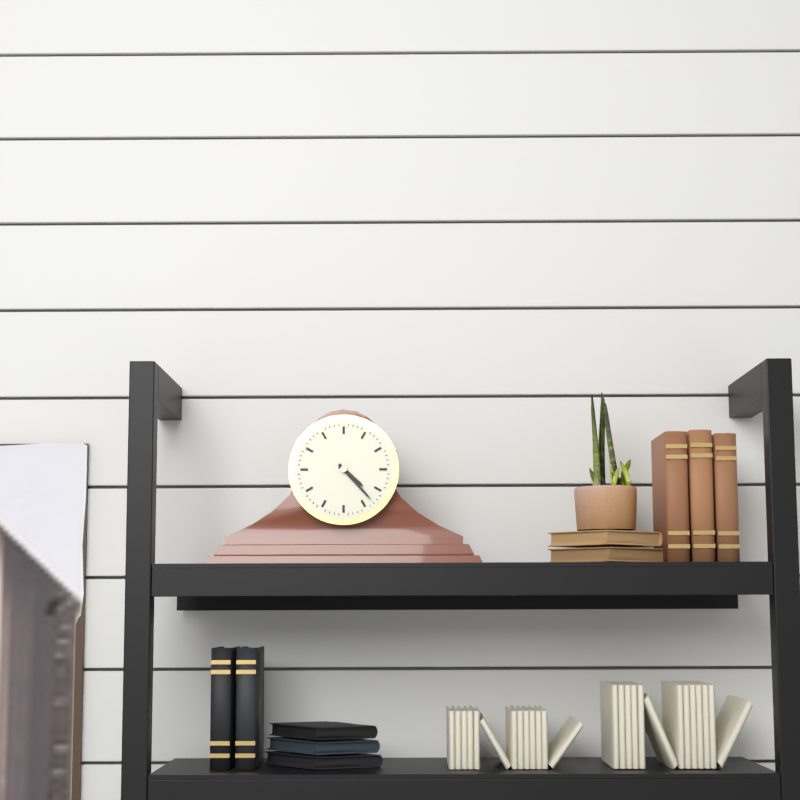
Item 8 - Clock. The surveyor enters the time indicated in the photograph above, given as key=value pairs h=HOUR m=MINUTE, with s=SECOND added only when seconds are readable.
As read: h=4 m=23
